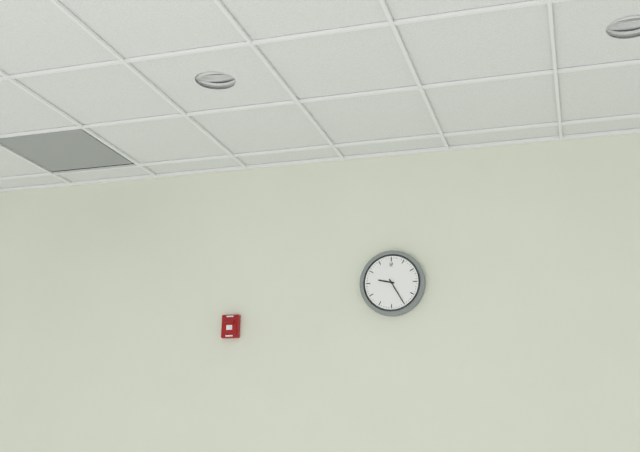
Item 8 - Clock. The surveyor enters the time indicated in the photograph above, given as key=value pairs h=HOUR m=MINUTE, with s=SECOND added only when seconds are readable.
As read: h=9 m=25
